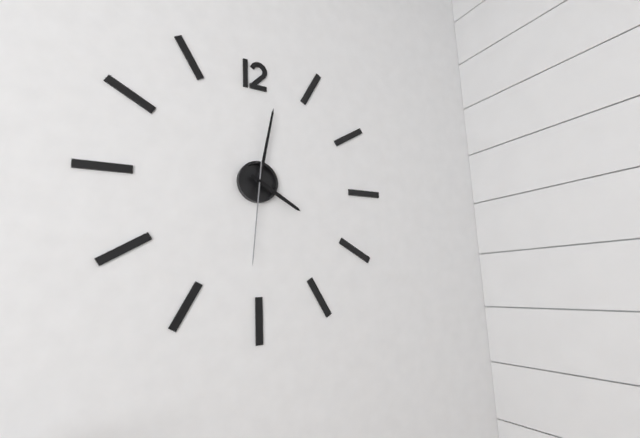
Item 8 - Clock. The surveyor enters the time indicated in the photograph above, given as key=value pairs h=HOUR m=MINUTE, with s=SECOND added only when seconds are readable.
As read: h=4 m=2 s=31
